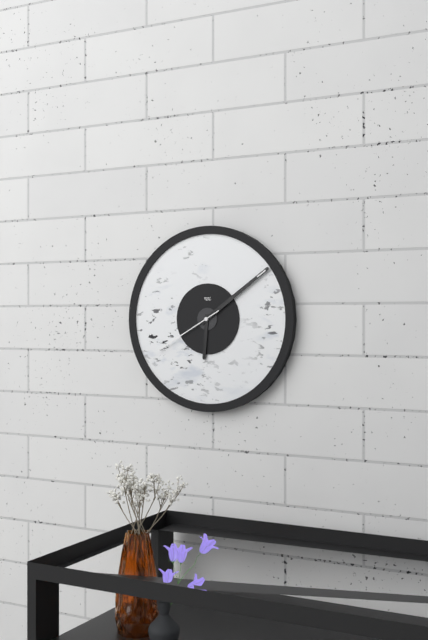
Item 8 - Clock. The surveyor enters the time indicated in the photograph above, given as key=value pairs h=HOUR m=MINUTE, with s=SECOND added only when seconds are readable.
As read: h=6 m=9 s=40
